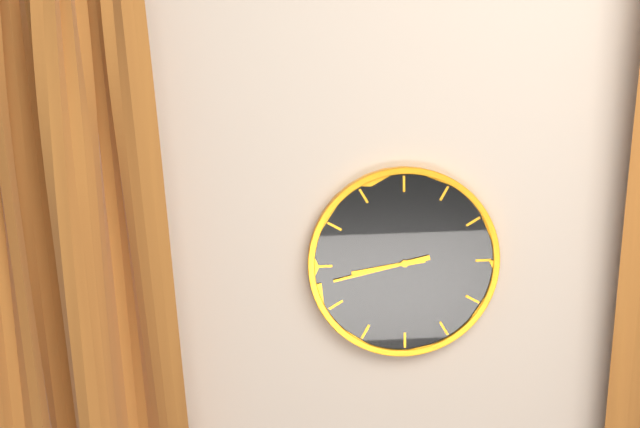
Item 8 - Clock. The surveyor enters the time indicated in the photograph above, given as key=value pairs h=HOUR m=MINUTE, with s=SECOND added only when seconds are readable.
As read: h=8 m=43
